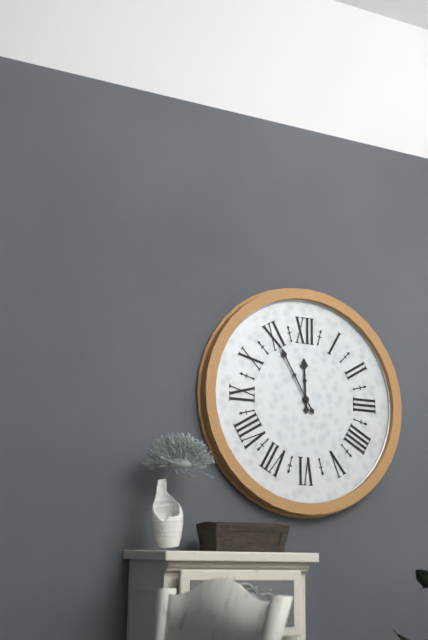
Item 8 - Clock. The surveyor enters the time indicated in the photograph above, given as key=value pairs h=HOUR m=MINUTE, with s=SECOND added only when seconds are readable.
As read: h=11 m=55
